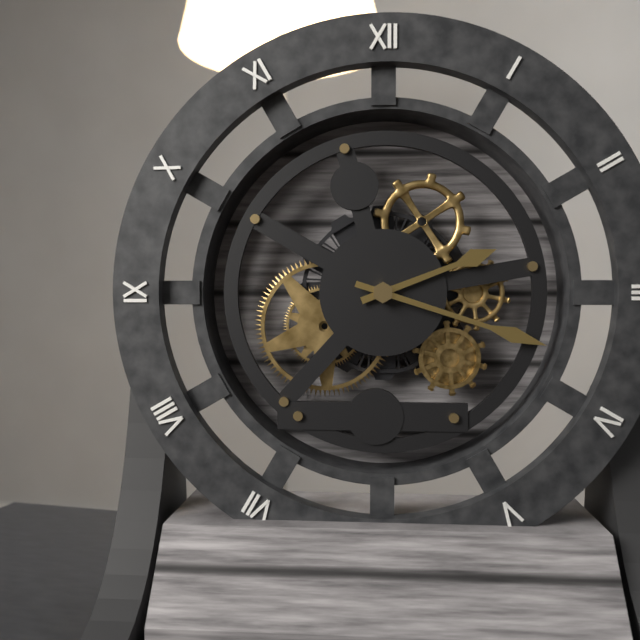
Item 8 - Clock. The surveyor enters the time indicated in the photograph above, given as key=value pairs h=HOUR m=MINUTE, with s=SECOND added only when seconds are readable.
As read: h=2 m=18
